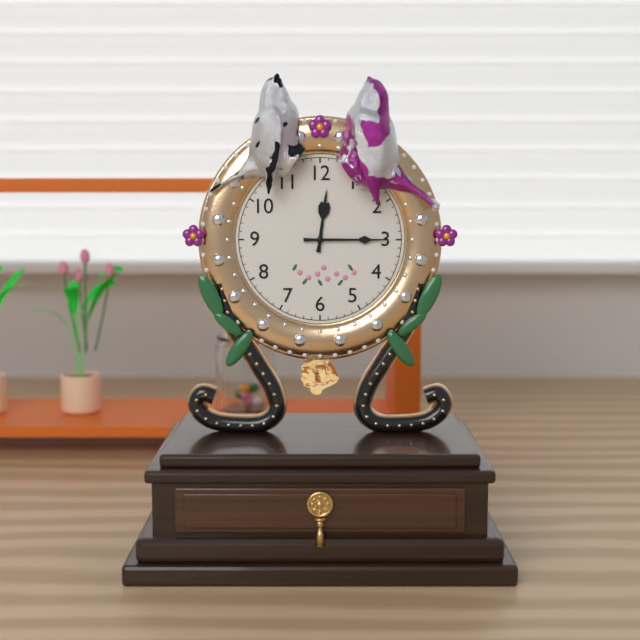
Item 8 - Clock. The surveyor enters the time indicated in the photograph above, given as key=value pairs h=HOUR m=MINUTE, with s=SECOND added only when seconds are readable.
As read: h=12 m=15
